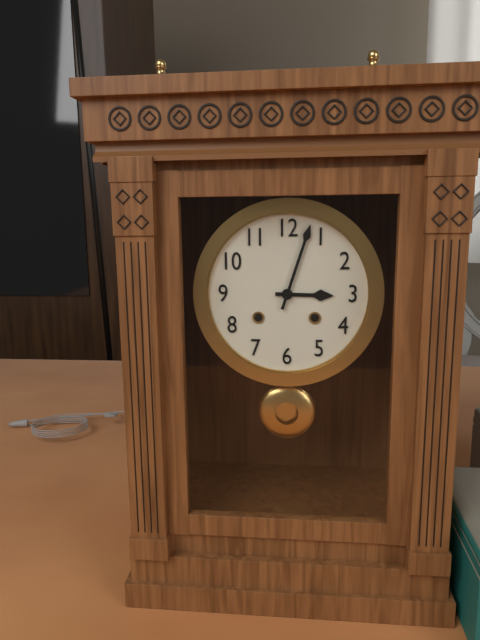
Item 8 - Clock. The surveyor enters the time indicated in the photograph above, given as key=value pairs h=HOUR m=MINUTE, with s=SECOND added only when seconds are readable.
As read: h=3 m=3
